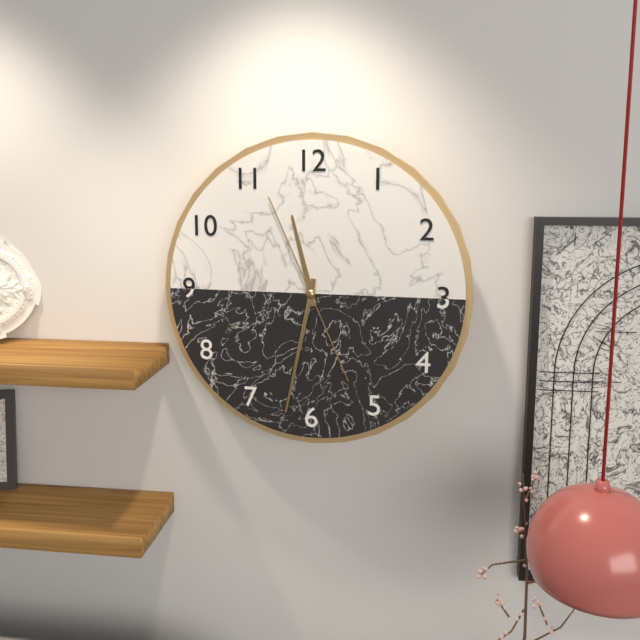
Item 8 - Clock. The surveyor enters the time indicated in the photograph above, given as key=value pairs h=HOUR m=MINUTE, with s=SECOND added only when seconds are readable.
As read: h=11 m=32 s=56
